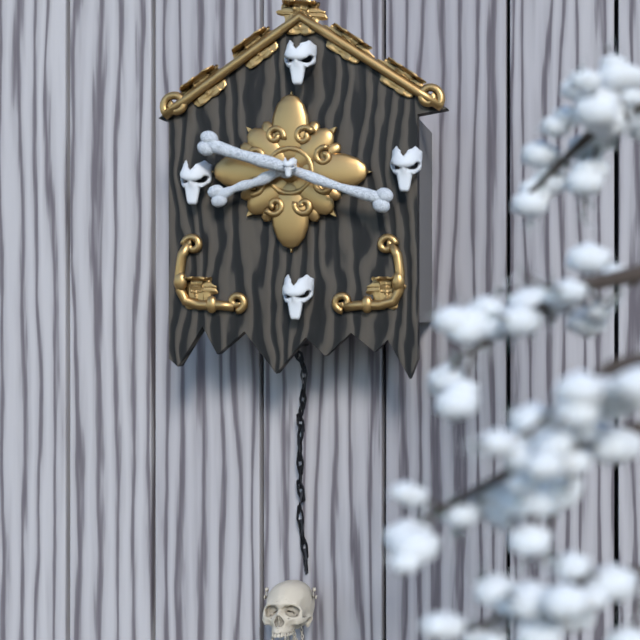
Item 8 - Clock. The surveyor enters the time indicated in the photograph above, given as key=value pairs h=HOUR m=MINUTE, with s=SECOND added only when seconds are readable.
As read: h=8 m=18
